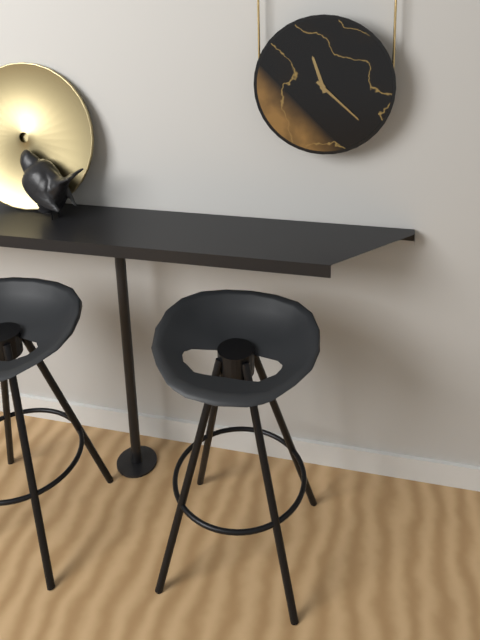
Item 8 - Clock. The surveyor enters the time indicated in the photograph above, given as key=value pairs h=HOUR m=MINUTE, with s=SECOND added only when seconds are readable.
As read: h=11 m=22
